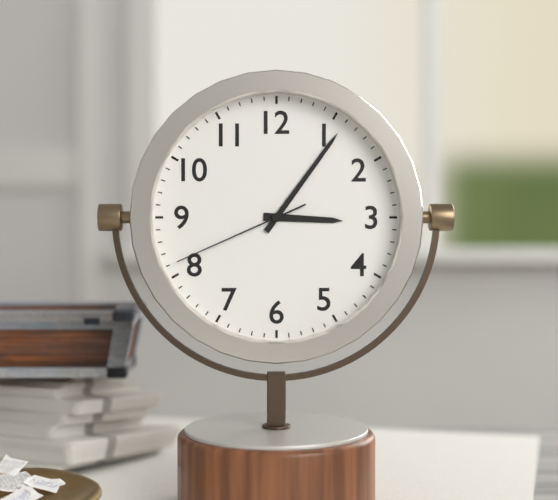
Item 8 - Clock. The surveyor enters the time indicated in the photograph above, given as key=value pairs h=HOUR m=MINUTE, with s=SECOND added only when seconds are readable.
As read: h=3 m=6 s=41
